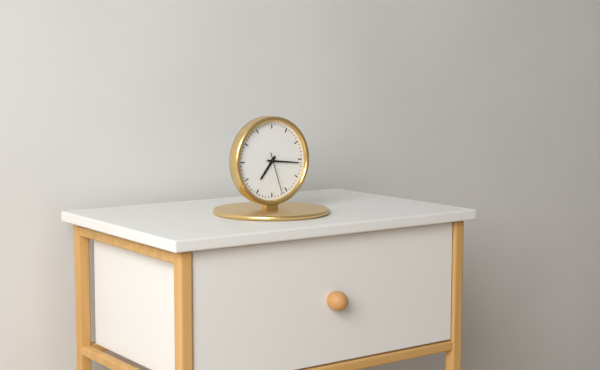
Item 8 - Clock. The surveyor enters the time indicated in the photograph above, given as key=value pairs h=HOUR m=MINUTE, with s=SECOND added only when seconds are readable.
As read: h=7 m=16
